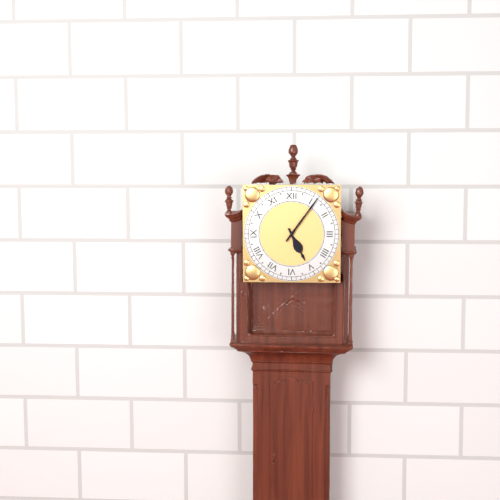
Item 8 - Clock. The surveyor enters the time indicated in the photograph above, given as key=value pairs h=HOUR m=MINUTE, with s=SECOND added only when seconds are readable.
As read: h=5 m=6
